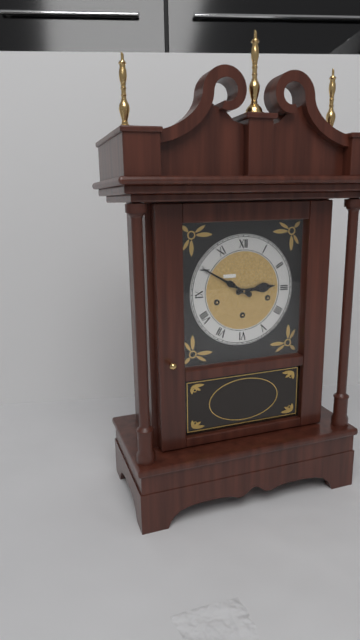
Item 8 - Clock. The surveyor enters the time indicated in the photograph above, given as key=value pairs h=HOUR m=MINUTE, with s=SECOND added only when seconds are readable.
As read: h=2 m=50
